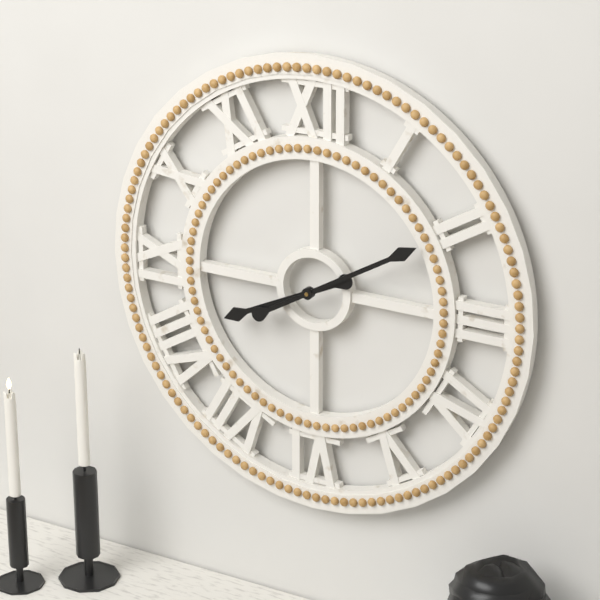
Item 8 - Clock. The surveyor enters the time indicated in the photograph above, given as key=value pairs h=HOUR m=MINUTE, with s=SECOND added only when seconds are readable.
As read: h=8 m=10
